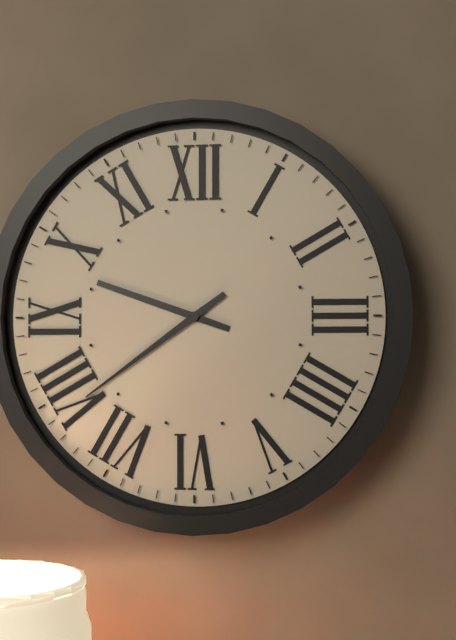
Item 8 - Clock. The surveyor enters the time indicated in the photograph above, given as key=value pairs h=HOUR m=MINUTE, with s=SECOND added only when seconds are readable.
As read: h=9 m=39
